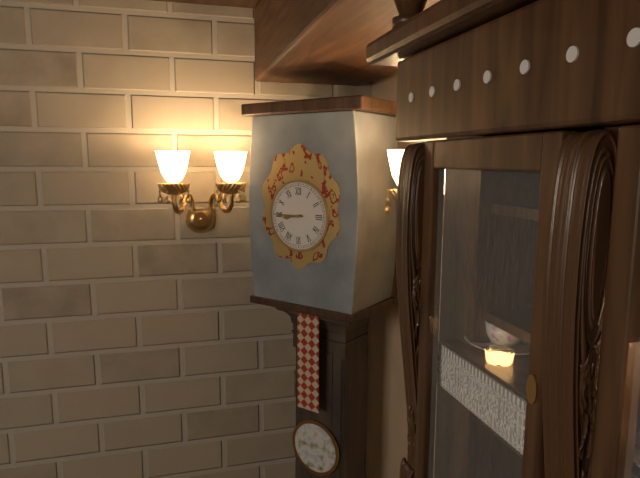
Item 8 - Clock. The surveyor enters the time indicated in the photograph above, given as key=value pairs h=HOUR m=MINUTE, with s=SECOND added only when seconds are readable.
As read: h=8 m=45
